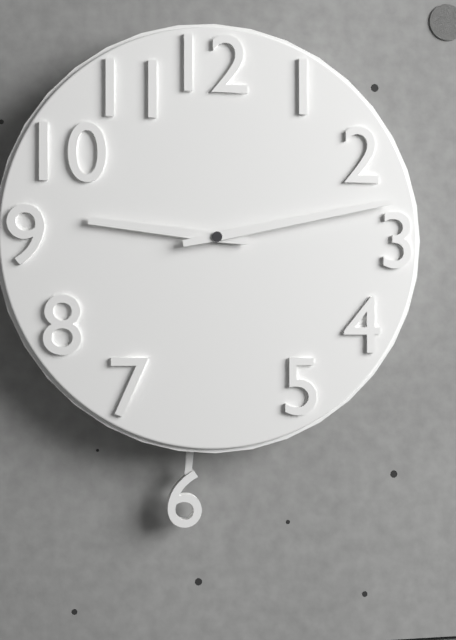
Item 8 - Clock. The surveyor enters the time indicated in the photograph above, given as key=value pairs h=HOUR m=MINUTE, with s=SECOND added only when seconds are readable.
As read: h=9 m=13
